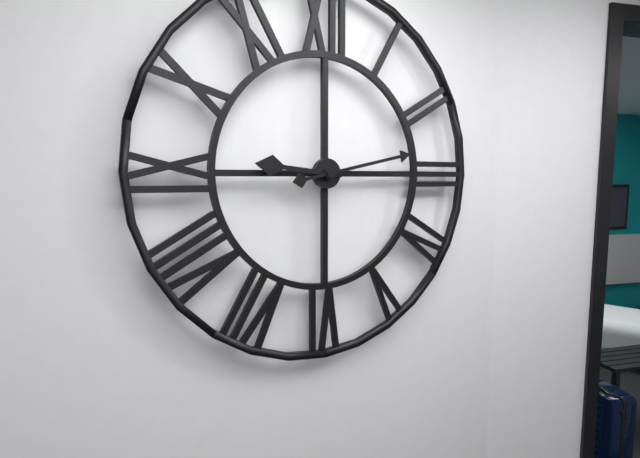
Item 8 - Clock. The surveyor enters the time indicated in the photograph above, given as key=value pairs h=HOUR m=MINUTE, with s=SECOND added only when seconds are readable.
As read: h=9 m=13
